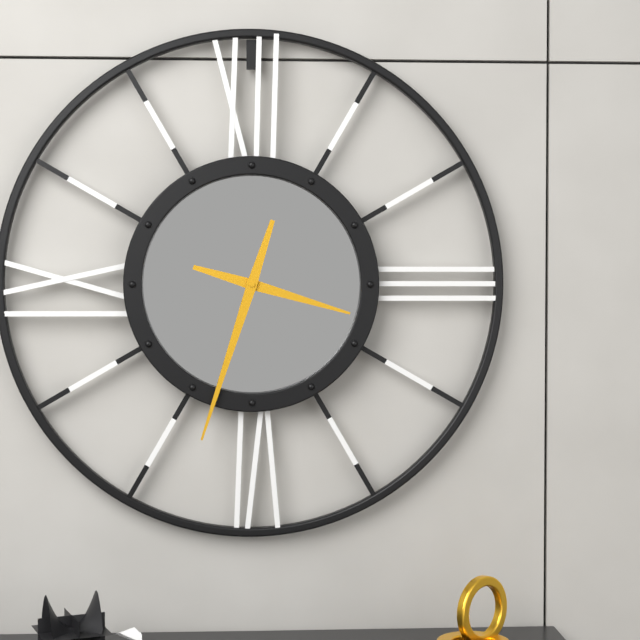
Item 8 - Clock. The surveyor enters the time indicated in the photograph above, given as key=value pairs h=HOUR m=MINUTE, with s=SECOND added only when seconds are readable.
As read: h=3 m=33
